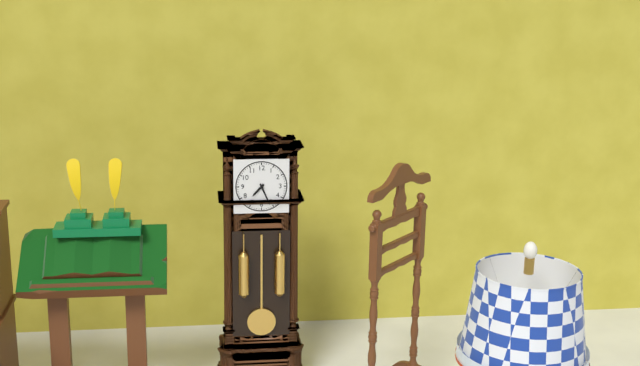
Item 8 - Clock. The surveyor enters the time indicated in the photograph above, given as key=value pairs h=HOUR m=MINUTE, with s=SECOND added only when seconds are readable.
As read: h=7 m=26
